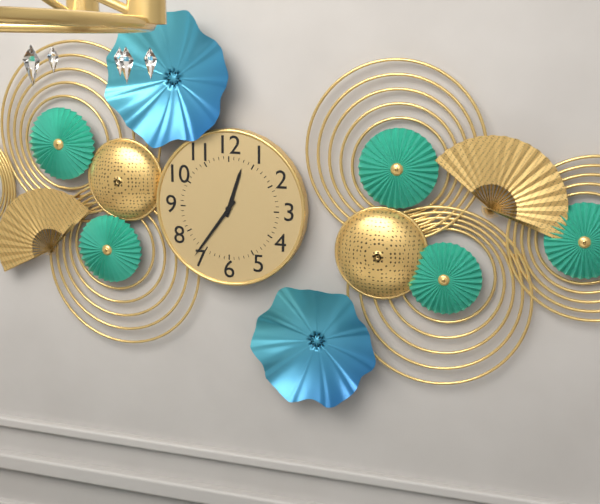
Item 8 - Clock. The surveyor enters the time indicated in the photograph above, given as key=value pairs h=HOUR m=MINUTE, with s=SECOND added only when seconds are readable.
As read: h=12 m=36
